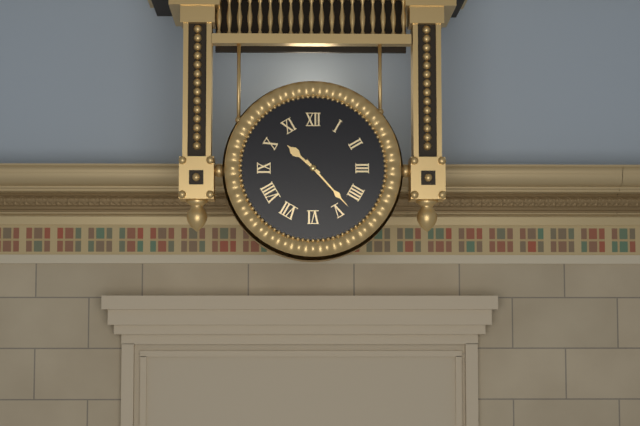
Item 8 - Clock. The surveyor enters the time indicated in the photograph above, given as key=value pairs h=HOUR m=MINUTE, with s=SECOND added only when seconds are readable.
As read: h=10 m=23
